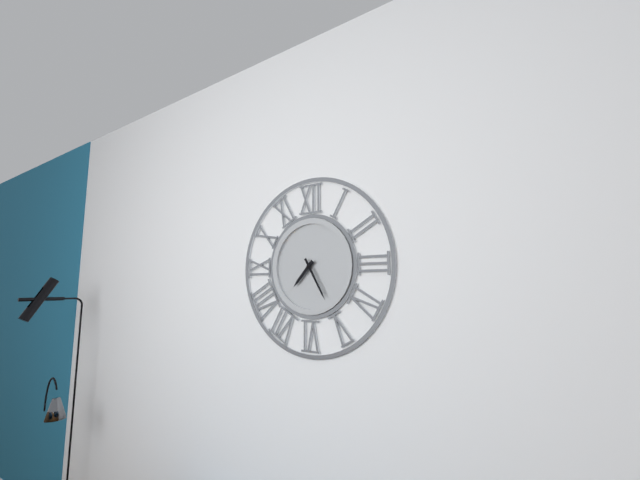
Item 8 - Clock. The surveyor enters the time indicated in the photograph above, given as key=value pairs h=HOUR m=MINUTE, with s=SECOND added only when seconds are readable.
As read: h=7 m=25
